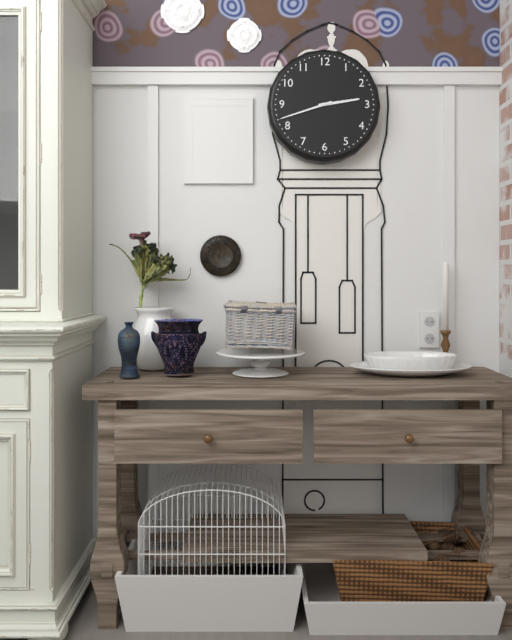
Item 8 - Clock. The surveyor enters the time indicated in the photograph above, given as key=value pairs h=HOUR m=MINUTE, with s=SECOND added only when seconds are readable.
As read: h=2 m=42
